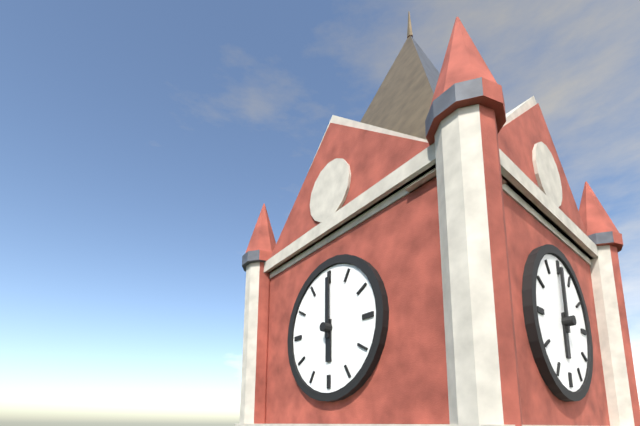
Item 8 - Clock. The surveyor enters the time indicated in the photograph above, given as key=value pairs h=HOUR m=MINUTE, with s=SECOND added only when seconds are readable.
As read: h=6 m=0
